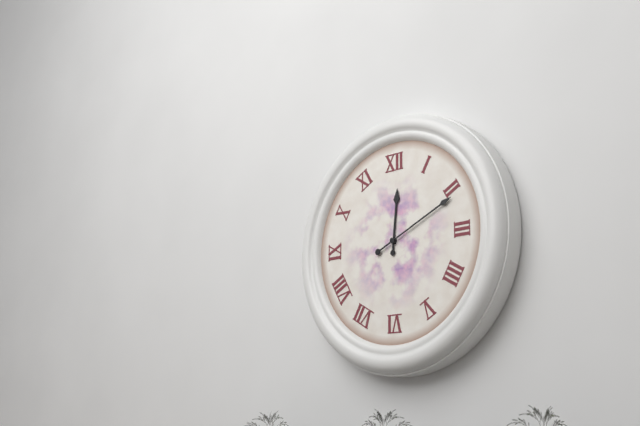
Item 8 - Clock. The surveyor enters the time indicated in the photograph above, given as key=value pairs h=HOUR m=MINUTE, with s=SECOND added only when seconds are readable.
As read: h=12 m=11
